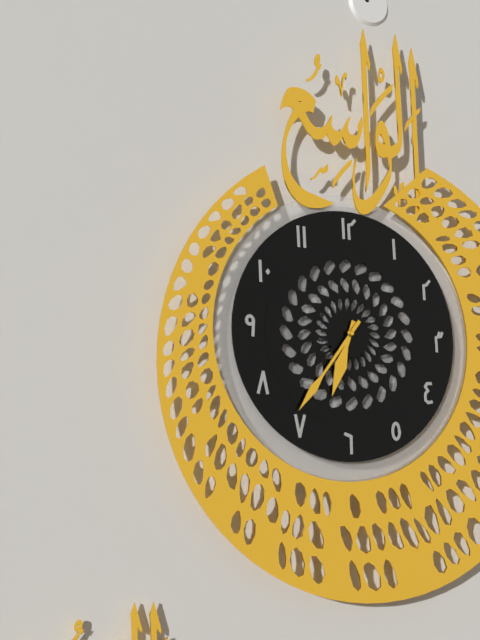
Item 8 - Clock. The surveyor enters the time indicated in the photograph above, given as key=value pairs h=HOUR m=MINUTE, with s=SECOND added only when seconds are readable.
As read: h=6 m=36
